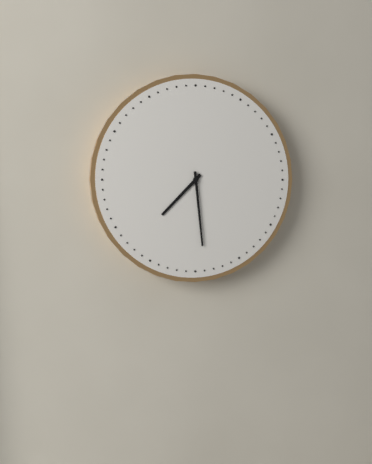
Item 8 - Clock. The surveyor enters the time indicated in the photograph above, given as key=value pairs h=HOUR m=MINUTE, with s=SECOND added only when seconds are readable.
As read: h=7 m=29
